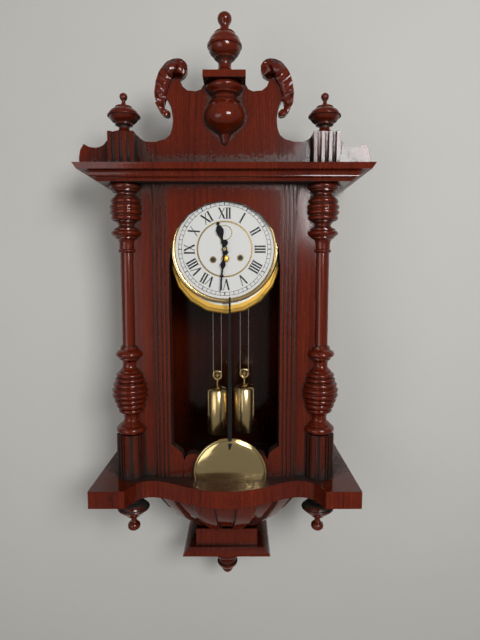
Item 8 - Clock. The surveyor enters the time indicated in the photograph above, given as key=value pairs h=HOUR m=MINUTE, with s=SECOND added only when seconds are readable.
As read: h=11 m=31
